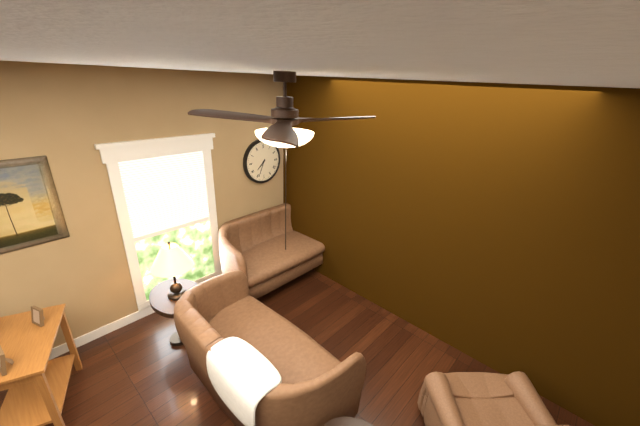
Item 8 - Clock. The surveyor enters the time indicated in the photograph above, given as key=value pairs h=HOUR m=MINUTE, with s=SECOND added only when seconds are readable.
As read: h=7 m=34
